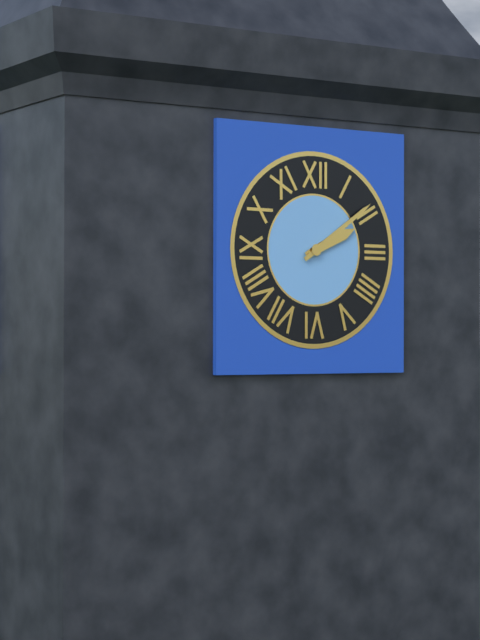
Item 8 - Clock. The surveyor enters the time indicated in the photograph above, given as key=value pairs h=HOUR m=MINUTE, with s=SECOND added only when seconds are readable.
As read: h=2 m=9
